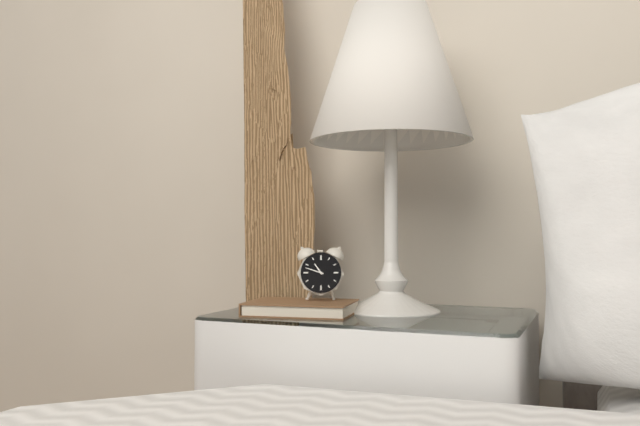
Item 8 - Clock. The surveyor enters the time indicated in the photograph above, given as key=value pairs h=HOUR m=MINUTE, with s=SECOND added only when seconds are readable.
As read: h=10 m=48
